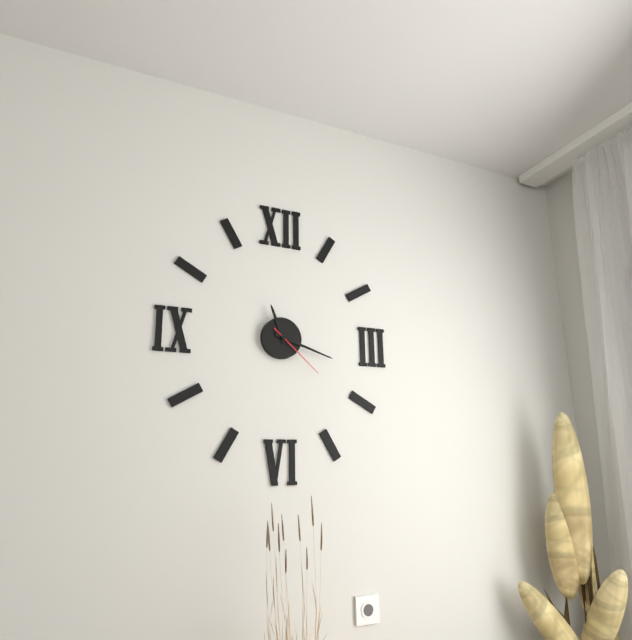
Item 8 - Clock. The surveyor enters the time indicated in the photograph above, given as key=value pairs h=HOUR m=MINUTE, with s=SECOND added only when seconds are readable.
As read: h=11 m=18 s=22
